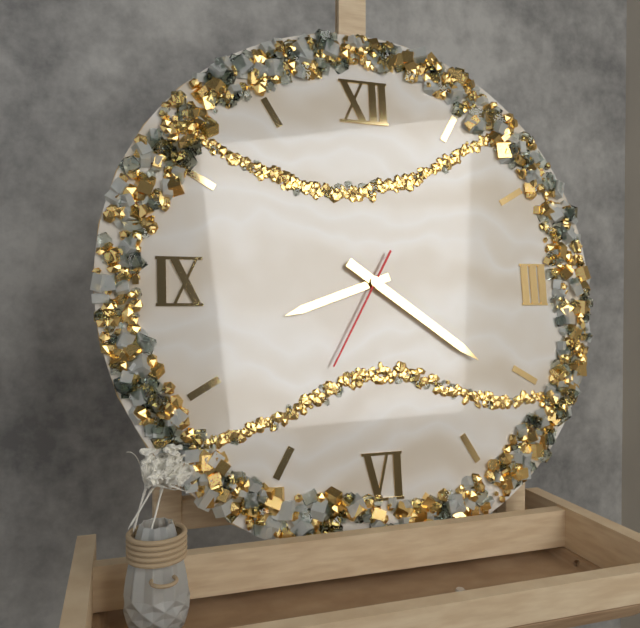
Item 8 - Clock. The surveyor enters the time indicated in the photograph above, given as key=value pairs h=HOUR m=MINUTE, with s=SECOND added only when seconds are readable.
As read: h=8 m=21 s=35
